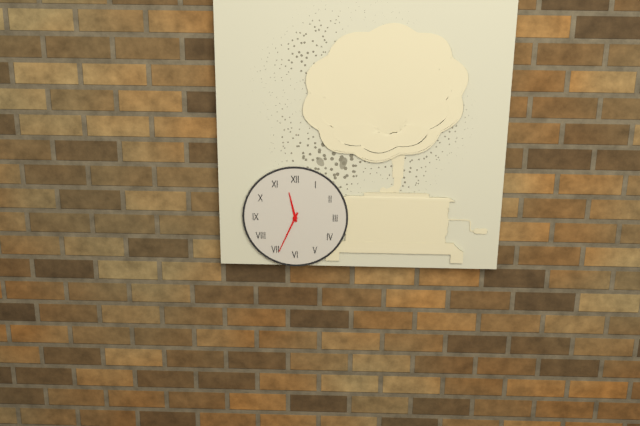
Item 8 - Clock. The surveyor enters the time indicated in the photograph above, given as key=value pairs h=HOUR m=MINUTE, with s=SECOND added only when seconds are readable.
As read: h=11 m=34
